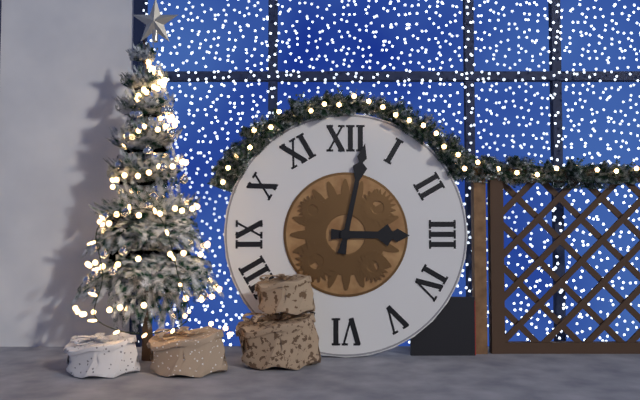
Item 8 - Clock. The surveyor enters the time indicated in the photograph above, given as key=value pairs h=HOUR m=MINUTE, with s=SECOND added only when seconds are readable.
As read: h=3 m=2
